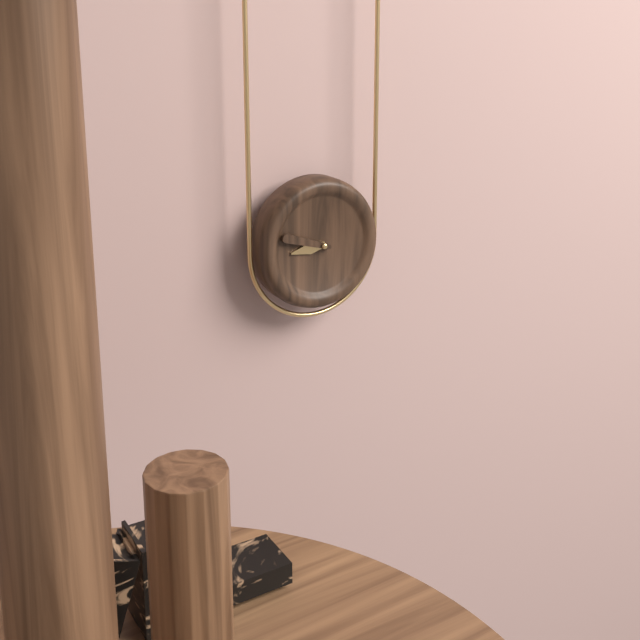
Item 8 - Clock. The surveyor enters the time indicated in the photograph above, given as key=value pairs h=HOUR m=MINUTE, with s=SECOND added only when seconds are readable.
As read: h=8 m=48
